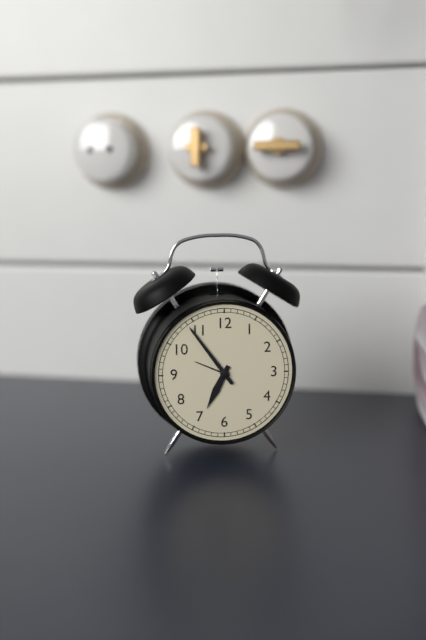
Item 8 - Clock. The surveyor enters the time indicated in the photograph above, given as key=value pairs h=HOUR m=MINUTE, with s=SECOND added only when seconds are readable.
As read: h=6 m=54
